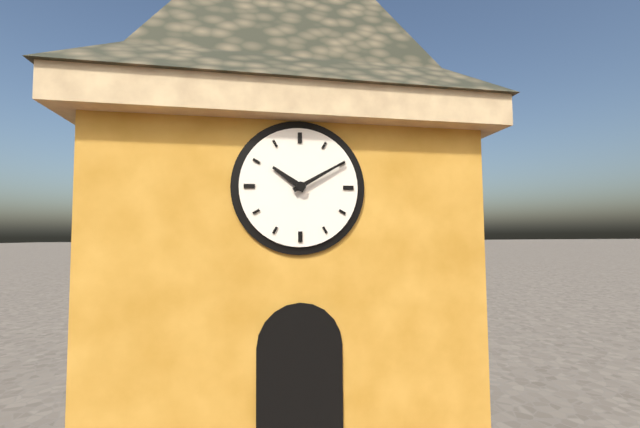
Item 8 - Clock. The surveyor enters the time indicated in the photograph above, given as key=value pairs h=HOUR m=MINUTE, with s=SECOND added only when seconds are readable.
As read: h=10 m=10
